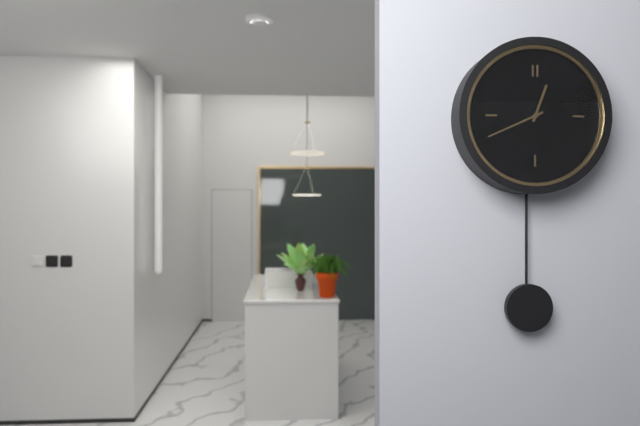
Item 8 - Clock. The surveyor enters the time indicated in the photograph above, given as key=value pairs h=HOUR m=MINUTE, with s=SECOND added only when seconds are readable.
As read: h=12 m=41
